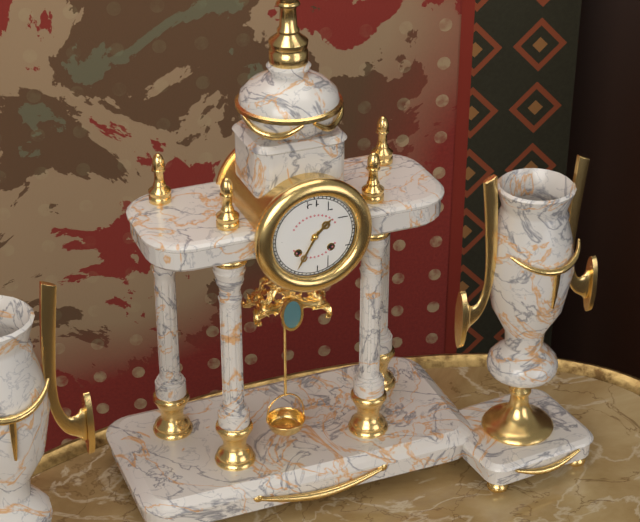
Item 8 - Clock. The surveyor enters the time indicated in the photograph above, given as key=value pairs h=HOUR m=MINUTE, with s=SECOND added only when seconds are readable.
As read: h=1 m=35
